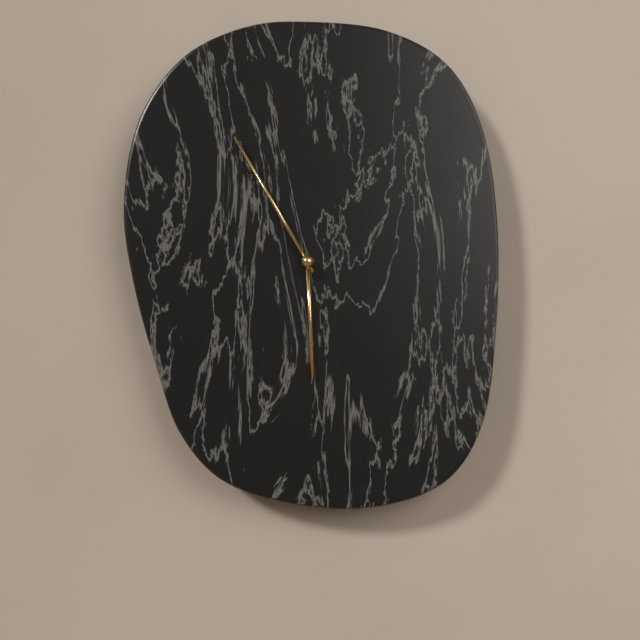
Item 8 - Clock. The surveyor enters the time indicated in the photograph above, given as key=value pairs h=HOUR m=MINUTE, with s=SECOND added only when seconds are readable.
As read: h=5 m=55
